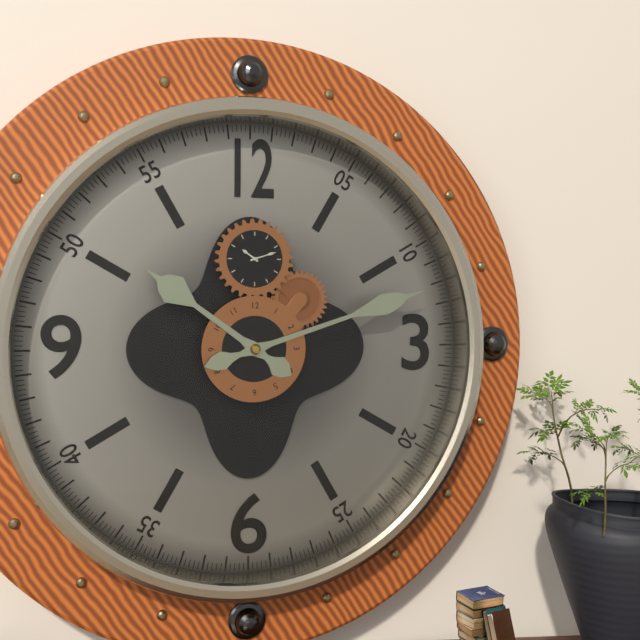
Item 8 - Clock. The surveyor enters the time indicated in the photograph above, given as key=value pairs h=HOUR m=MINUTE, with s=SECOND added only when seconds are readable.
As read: h=10 m=12
